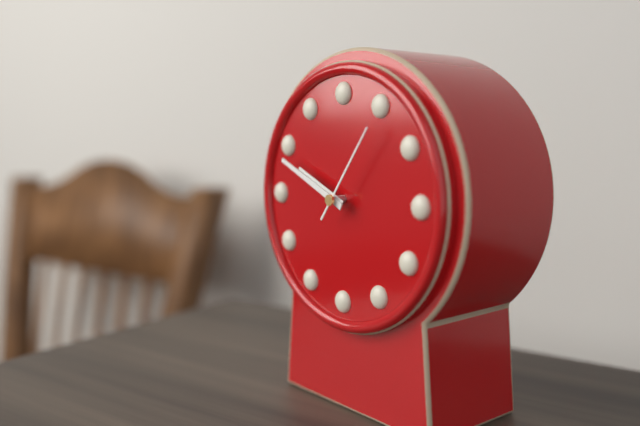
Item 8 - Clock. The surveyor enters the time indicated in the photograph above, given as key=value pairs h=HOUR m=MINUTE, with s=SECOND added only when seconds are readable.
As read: h=9 m=49 s=6
